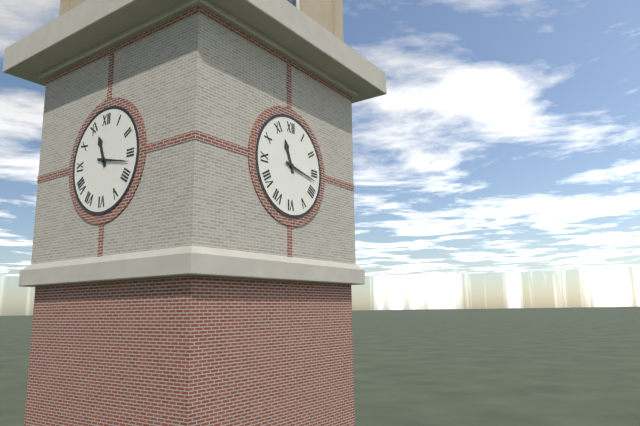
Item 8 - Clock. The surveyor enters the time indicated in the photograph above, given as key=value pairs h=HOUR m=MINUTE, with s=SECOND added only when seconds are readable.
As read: h=11 m=17
